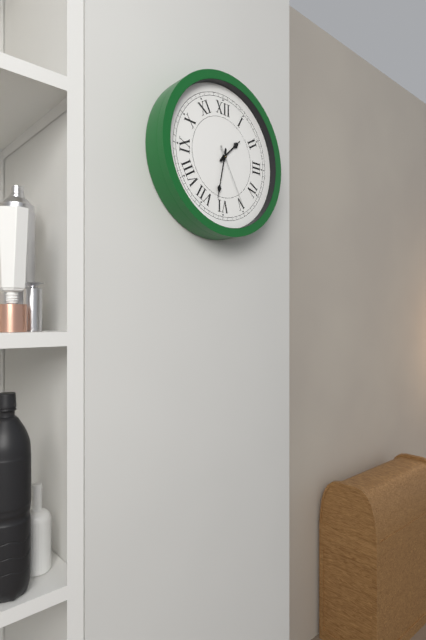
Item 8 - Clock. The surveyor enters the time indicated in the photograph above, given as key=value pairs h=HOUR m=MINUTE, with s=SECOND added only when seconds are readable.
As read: h=1 m=32 s=25
